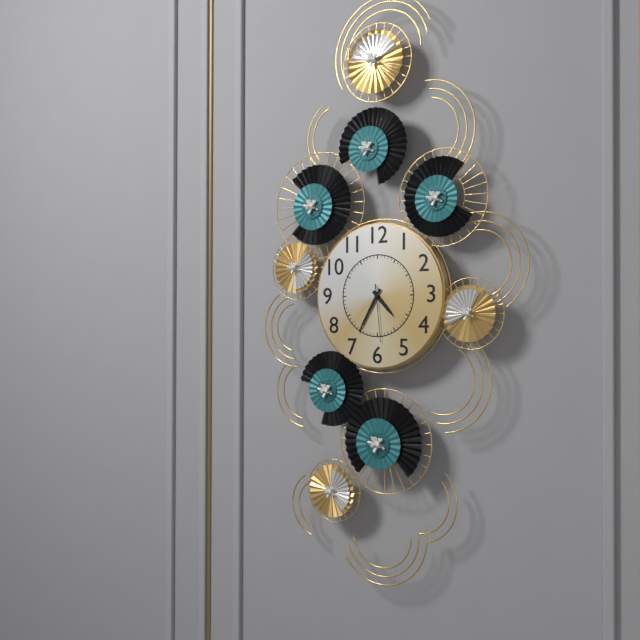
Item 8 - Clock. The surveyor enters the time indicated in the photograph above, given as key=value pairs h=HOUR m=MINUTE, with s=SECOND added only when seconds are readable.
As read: h=4 m=35 s=29
